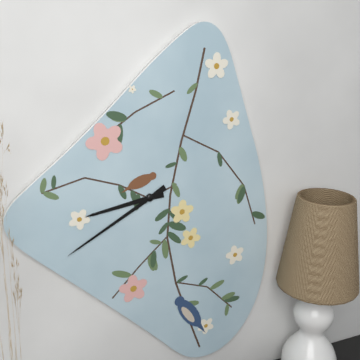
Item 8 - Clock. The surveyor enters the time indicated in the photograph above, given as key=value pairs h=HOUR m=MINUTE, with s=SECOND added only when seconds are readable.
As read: h=8 m=40
